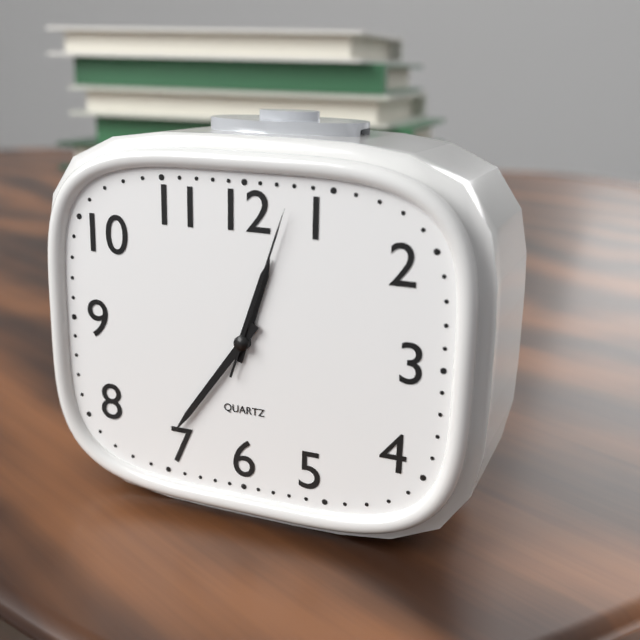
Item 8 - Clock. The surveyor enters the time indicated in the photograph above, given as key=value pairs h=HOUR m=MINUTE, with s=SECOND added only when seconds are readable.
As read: h=12 m=36 s=3
